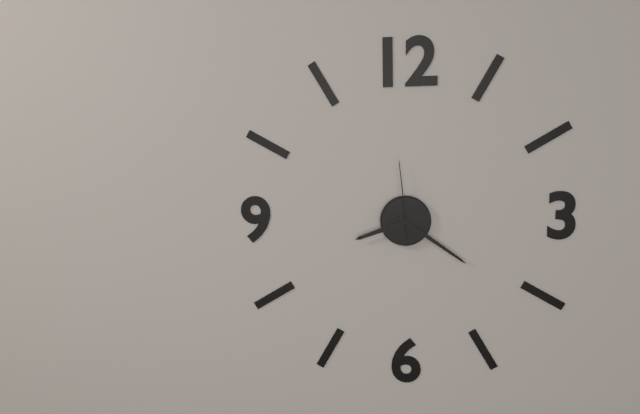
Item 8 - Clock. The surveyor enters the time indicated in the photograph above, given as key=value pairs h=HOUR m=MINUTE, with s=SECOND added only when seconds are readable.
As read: h=8 m=21 s=59
